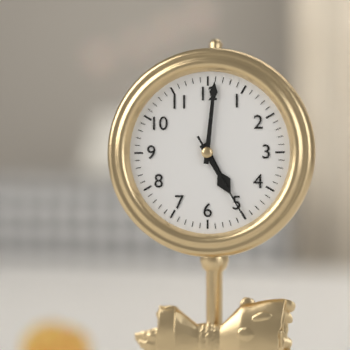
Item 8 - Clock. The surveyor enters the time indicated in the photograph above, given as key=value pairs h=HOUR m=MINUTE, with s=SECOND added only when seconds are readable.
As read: h=5 m=1 s=25
